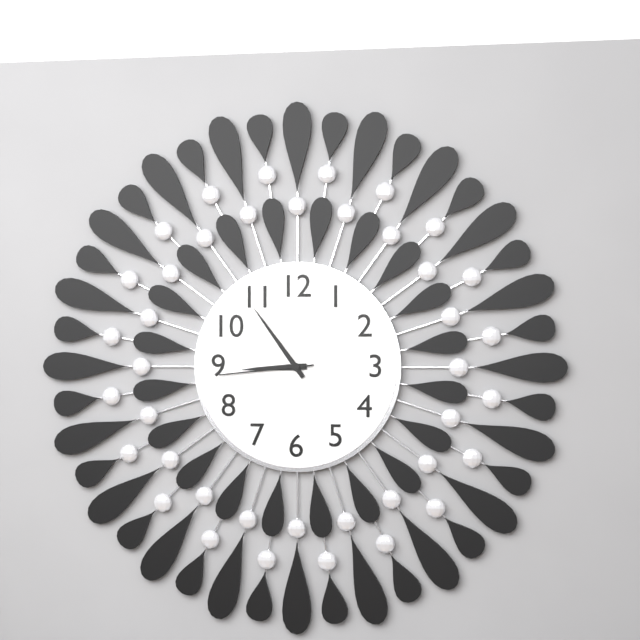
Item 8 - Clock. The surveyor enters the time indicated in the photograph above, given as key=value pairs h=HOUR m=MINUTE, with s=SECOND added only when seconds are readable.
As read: h=8 m=54 s=44
